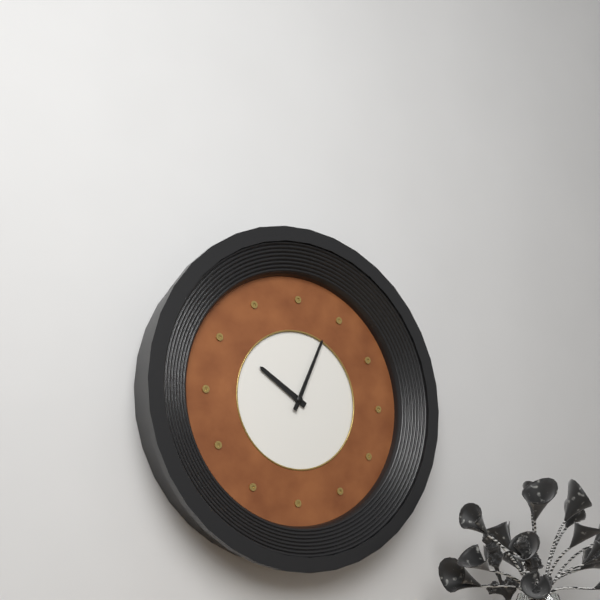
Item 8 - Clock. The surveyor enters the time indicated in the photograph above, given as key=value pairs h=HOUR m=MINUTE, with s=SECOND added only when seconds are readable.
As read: h=10 m=4
